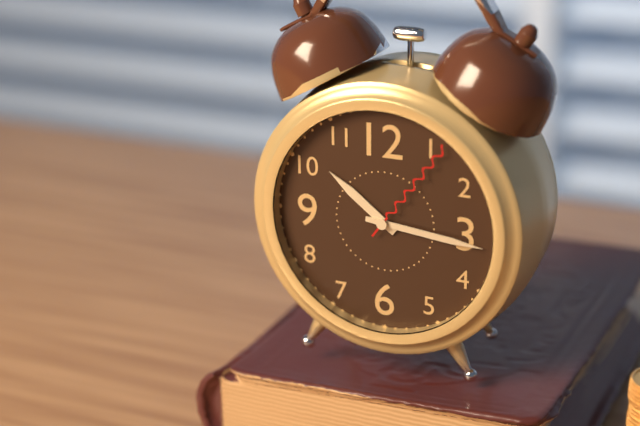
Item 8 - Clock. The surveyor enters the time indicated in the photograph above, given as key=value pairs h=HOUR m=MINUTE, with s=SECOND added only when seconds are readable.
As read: h=10 m=16 s=6
